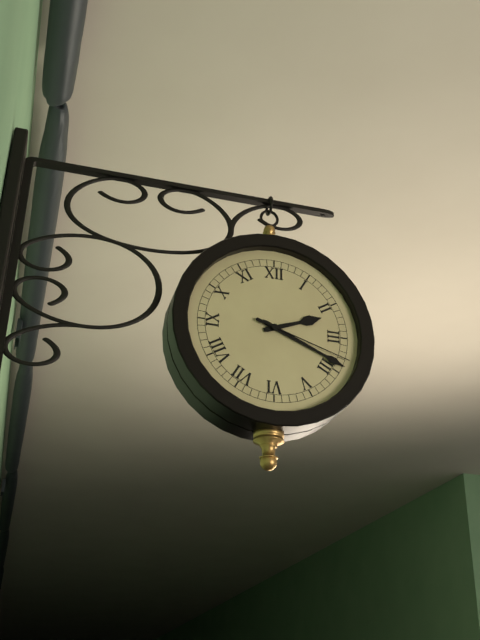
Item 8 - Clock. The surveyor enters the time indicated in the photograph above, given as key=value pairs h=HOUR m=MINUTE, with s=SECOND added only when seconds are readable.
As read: h=2 m=19 s=18
